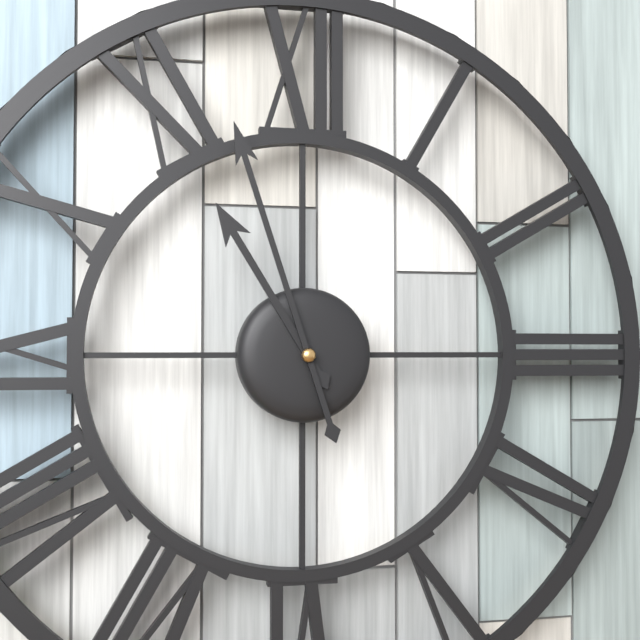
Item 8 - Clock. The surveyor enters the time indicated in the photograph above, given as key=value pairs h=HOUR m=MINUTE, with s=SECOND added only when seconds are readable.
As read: h=10 m=57
